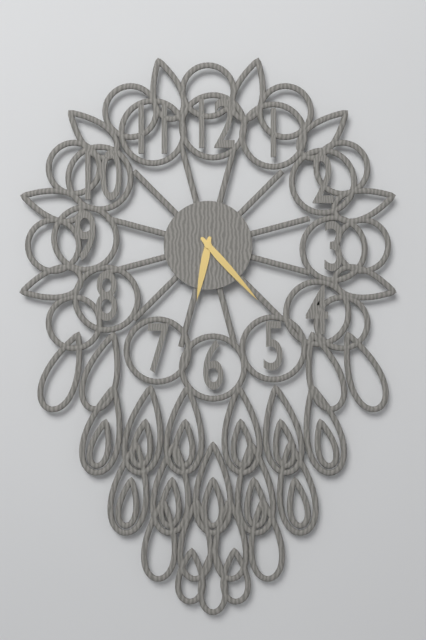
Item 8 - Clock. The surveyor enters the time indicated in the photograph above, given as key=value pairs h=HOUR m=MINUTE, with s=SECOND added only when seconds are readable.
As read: h=6 m=23
